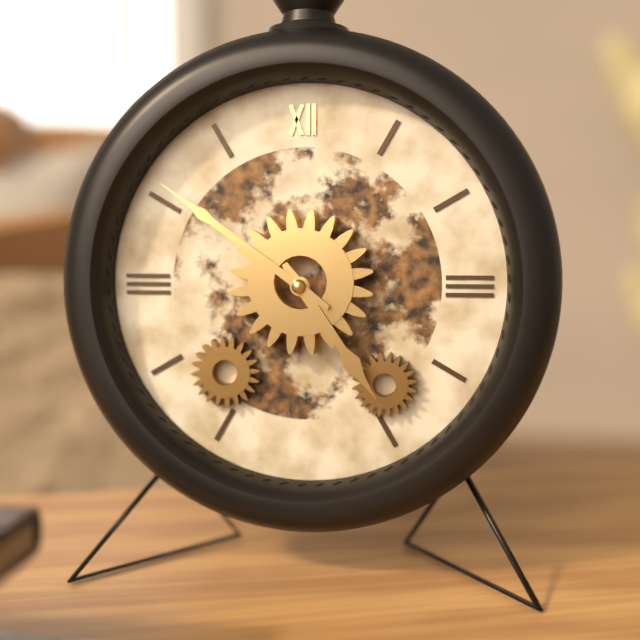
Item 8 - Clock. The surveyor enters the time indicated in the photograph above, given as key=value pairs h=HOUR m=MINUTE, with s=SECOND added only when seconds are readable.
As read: h=4 m=51
